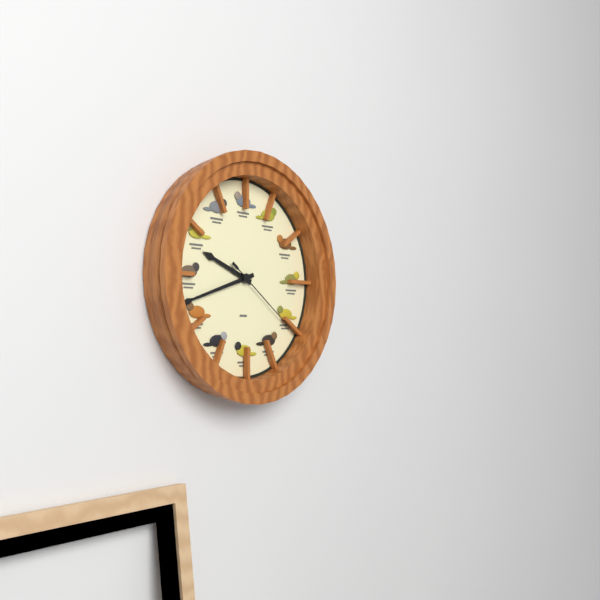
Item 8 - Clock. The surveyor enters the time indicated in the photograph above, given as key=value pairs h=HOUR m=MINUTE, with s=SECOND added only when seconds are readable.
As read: h=9 m=42 s=21
